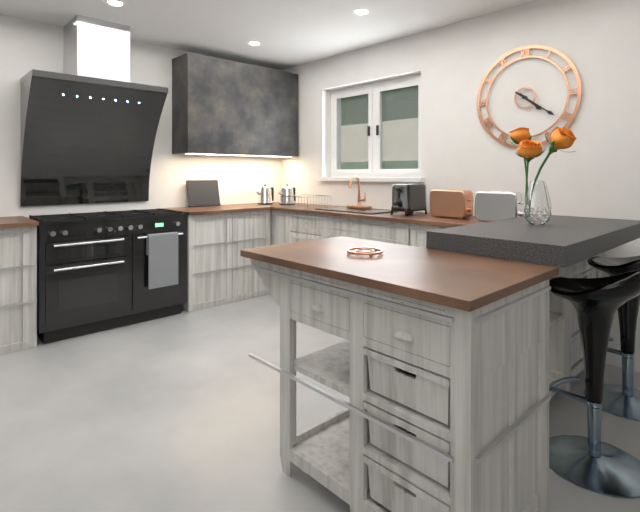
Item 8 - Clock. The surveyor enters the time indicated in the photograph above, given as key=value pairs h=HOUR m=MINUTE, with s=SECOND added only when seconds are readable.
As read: h=4 m=21
